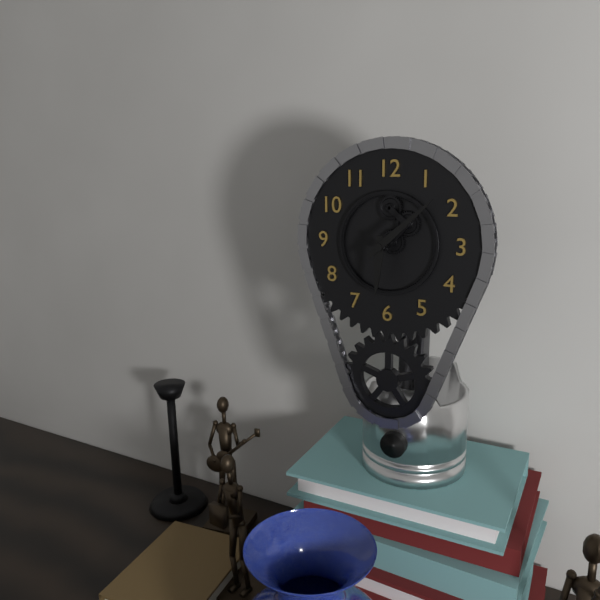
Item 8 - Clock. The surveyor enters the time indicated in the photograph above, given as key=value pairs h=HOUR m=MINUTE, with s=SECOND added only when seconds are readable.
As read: h=6 m=8
